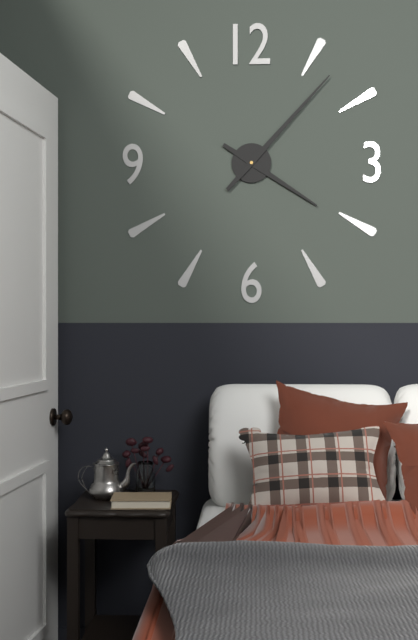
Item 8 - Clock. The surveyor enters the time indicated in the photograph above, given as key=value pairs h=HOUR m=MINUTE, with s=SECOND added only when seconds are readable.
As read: h=4 m=7
